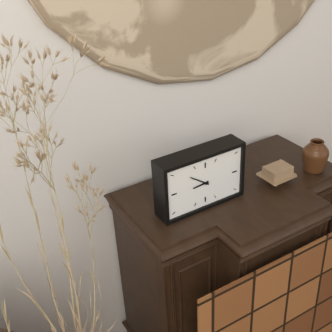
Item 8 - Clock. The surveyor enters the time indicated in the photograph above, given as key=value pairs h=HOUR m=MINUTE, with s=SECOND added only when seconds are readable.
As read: h=8 m=51
